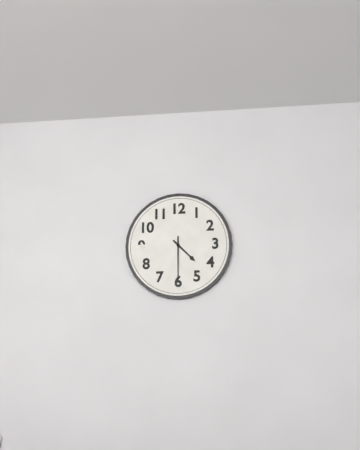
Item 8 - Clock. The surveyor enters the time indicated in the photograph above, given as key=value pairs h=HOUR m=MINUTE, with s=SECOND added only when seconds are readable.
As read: h=4 m=30
